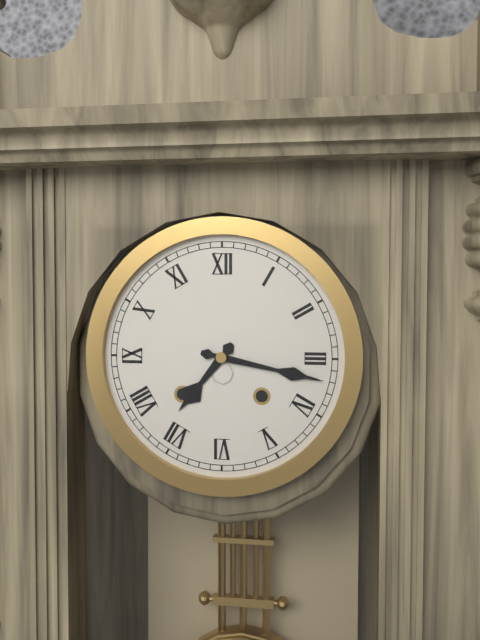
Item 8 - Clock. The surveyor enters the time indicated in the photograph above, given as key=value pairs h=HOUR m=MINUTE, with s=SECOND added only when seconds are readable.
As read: h=7 m=17
